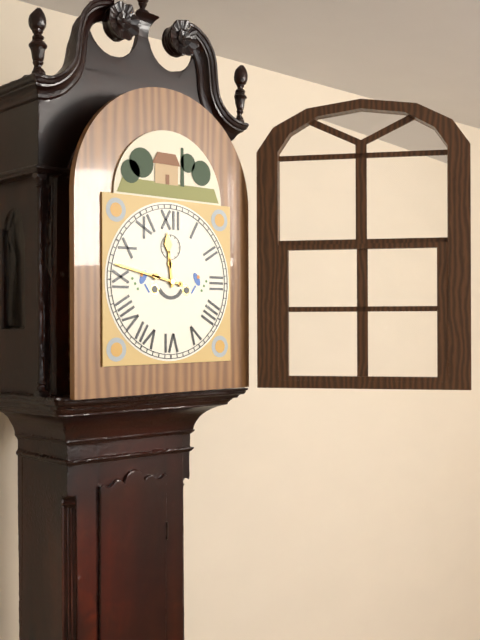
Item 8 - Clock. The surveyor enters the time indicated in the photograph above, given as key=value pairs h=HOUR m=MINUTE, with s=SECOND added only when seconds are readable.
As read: h=11 m=47
